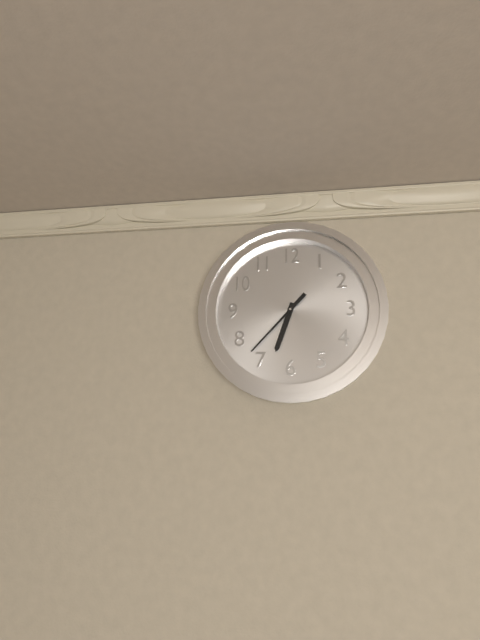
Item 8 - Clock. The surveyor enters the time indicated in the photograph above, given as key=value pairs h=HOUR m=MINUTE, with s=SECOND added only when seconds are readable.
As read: h=6 m=37
